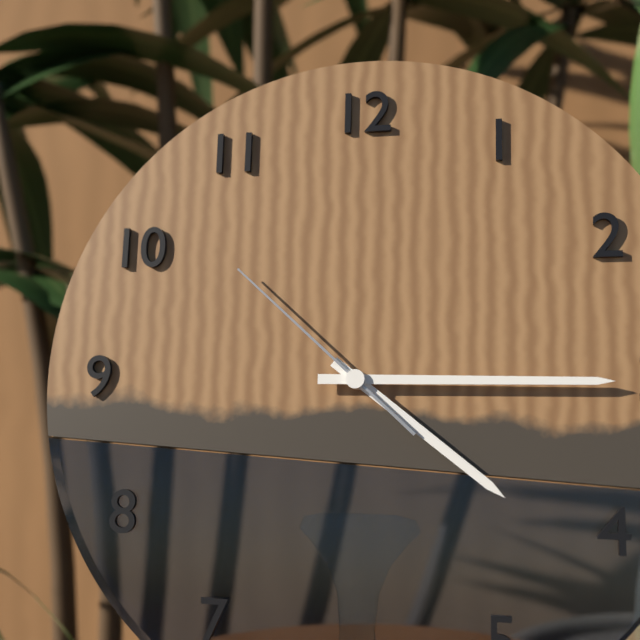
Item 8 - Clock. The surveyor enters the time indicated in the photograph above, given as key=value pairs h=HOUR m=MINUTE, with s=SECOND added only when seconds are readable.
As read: h=4 m=15 s=52
